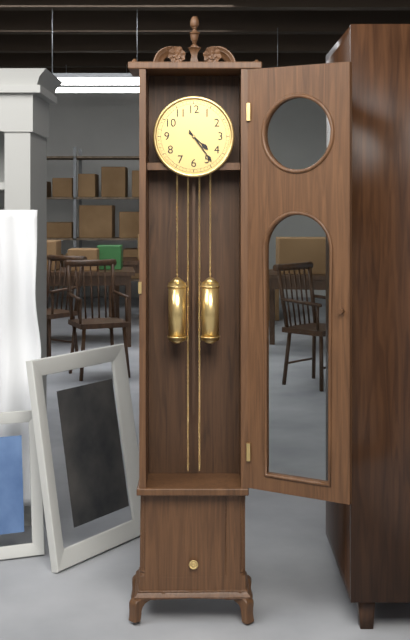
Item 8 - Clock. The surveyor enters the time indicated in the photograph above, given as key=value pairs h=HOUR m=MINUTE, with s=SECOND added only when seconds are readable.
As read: h=4 m=24
